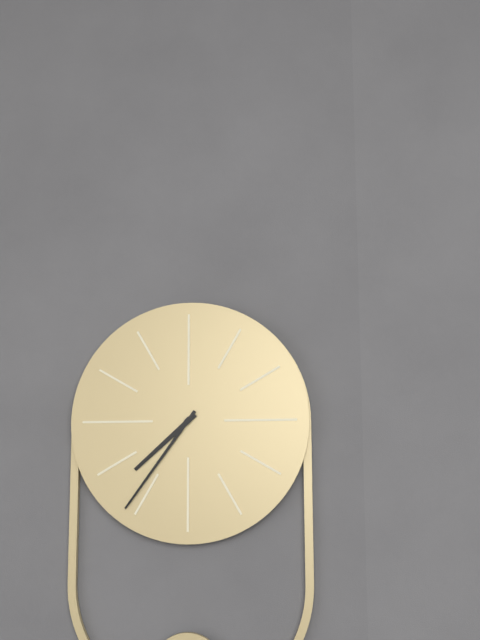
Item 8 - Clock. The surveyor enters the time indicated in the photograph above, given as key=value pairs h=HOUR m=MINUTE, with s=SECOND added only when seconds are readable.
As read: h=7 m=36
